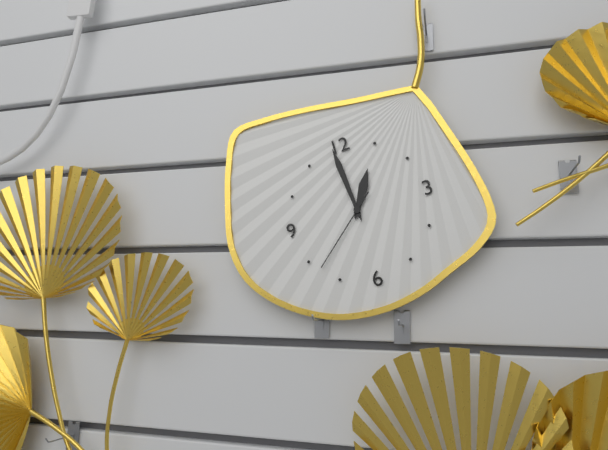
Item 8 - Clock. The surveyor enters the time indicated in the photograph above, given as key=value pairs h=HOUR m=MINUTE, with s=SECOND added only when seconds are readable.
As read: h=12 m=59 s=38
